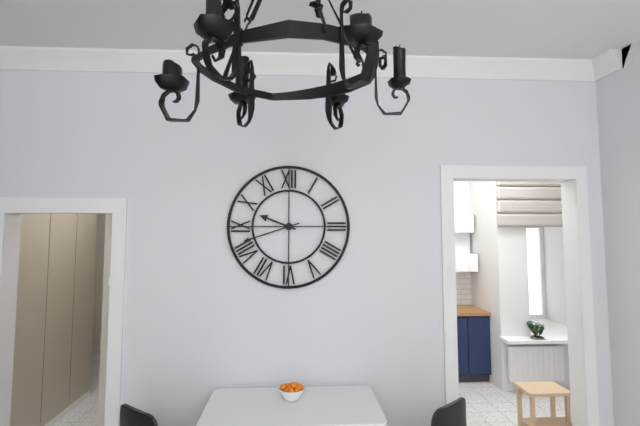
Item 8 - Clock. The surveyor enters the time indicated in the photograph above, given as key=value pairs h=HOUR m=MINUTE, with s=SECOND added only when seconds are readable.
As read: h=9 m=42
